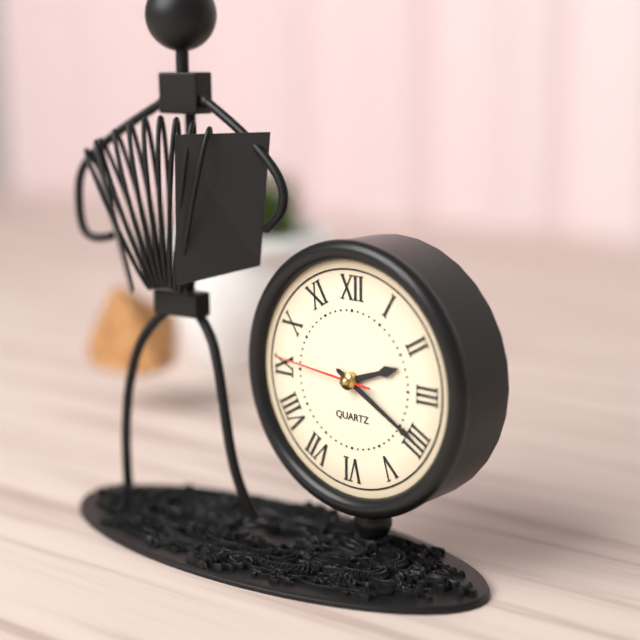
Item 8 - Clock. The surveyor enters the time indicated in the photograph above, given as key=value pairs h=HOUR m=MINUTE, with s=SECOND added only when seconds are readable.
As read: h=2 m=20 s=46
